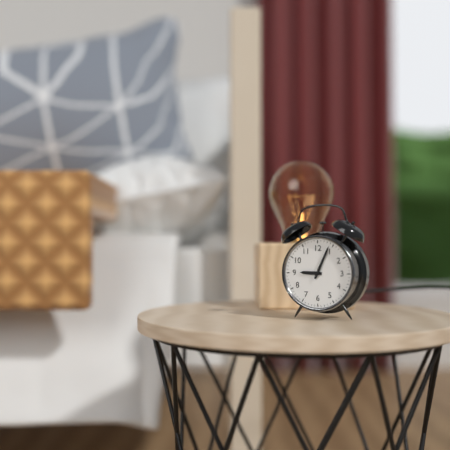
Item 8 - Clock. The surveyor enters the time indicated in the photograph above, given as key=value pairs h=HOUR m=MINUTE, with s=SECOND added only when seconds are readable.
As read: h=9 m=4
